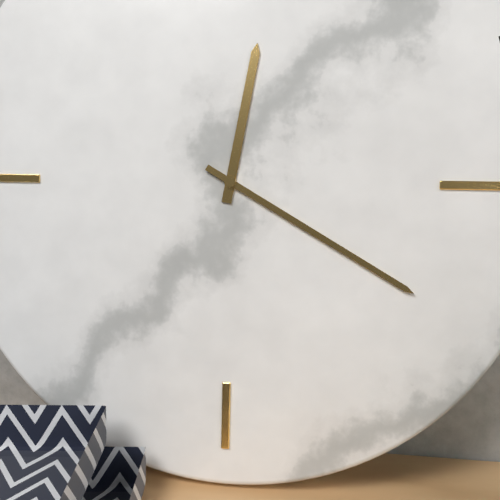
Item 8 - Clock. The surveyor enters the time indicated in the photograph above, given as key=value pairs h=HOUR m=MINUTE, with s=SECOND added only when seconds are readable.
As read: h=12 m=20
